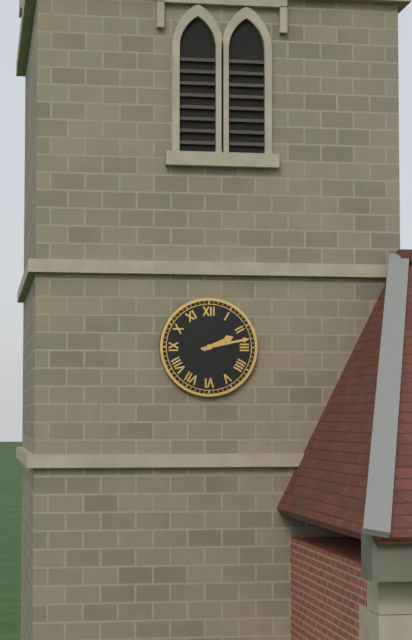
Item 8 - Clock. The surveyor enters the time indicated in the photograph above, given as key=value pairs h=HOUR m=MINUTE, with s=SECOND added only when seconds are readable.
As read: h=2 m=13
